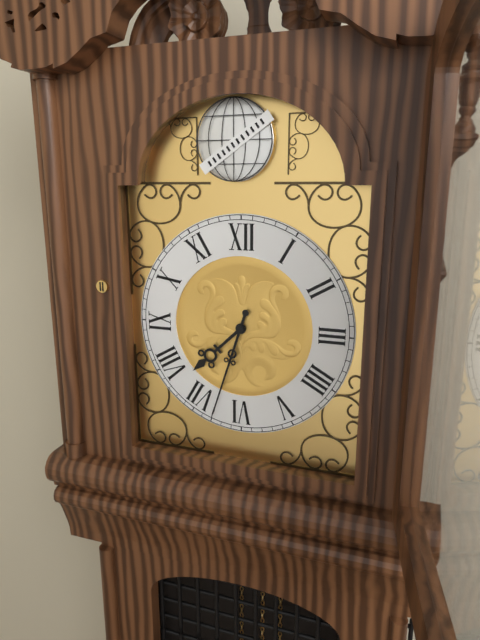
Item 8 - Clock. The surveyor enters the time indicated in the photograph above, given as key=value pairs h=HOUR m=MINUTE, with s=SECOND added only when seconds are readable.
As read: h=7 m=33
